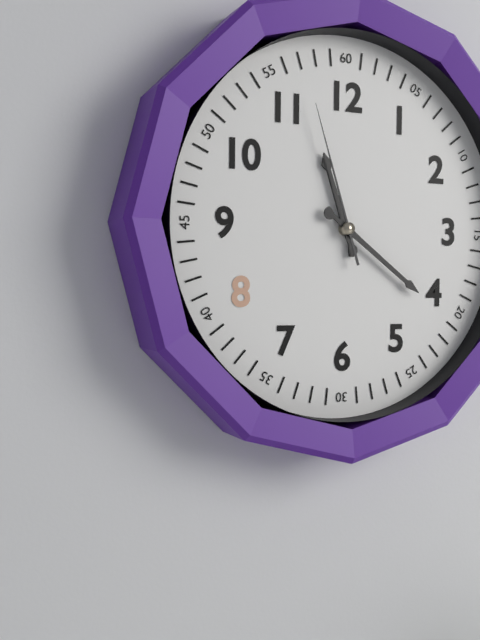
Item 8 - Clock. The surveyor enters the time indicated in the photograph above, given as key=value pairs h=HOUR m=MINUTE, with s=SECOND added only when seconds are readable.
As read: h=11 m=21 s=57
